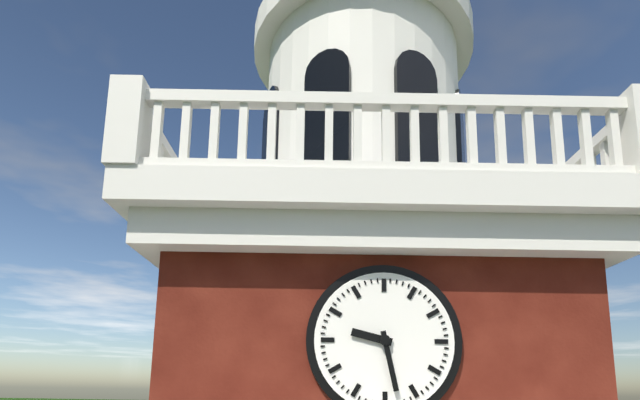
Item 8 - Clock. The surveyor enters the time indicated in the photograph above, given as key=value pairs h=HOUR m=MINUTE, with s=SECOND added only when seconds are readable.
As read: h=9 m=28
